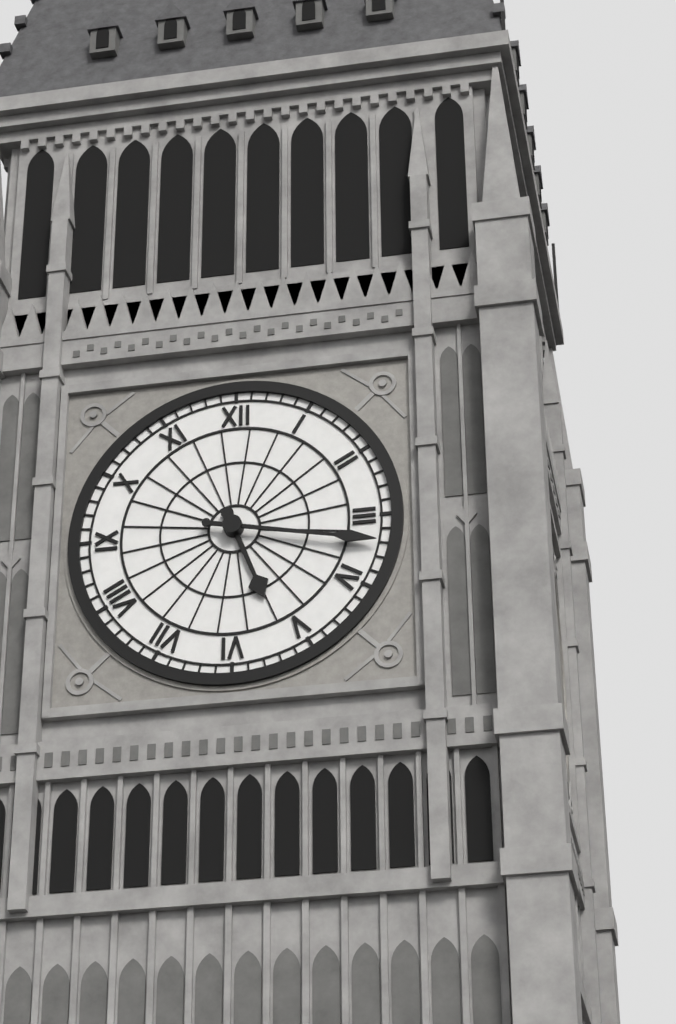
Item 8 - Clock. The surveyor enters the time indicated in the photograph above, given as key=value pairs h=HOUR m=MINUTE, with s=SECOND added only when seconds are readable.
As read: h=5 m=17
